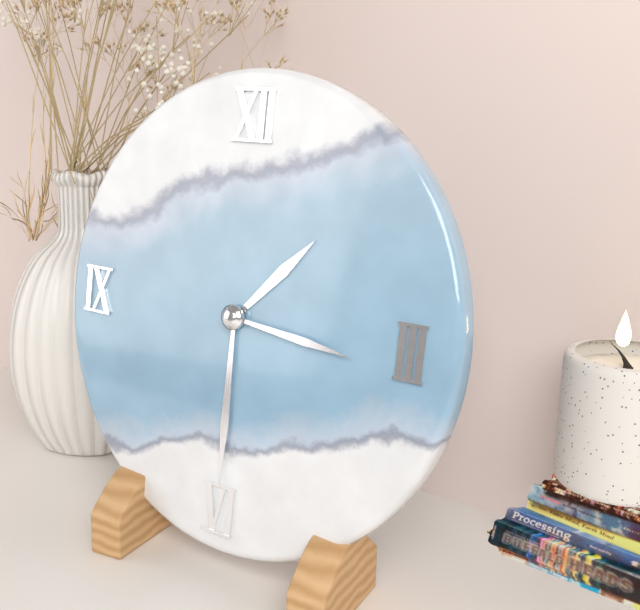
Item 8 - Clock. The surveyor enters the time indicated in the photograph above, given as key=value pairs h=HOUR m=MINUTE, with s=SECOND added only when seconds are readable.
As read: h=1 m=30 s=16
